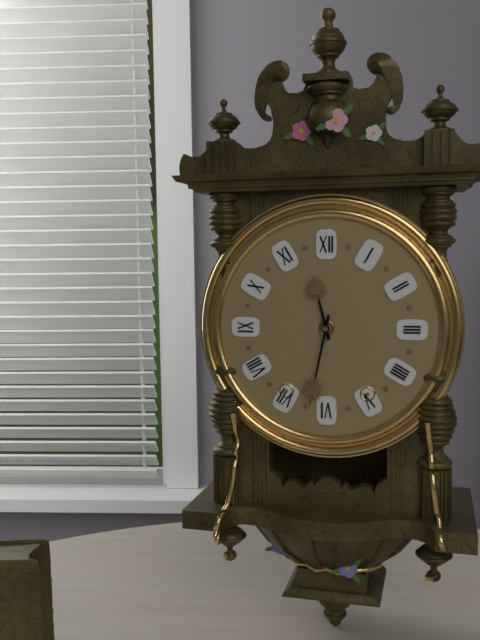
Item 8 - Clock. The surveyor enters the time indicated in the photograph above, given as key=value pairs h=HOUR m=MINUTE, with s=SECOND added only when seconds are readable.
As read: h=11 m=32
